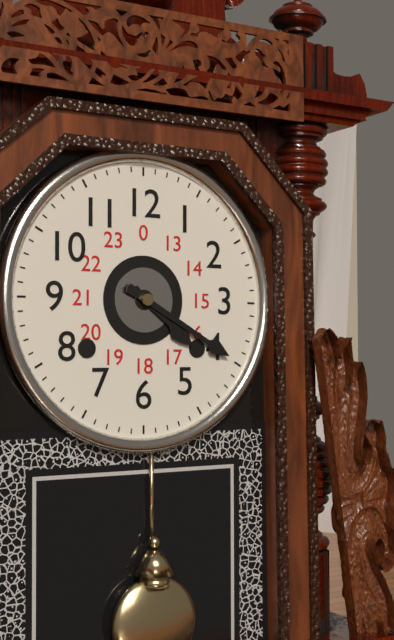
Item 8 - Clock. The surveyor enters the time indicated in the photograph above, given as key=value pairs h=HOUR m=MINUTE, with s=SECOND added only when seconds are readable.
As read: h=4 m=20
